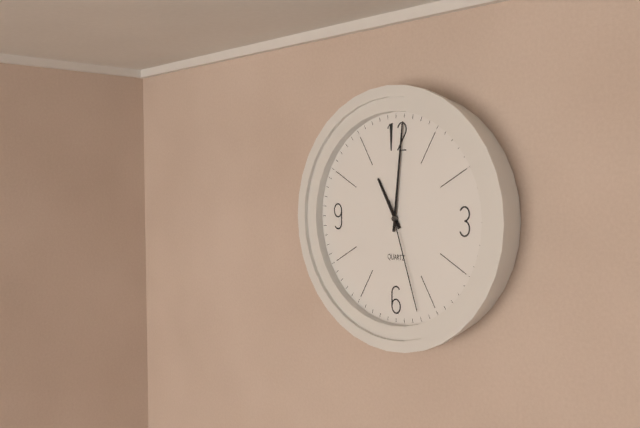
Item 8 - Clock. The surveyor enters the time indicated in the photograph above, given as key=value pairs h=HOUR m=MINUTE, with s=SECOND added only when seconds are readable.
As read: h=11 m=1 s=27
